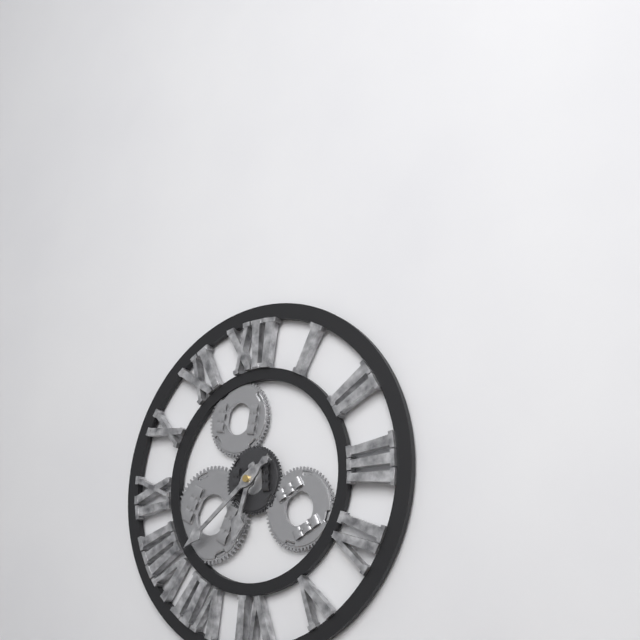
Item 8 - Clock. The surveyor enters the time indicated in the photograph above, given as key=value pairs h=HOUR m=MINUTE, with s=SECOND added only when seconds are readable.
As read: h=6 m=39
